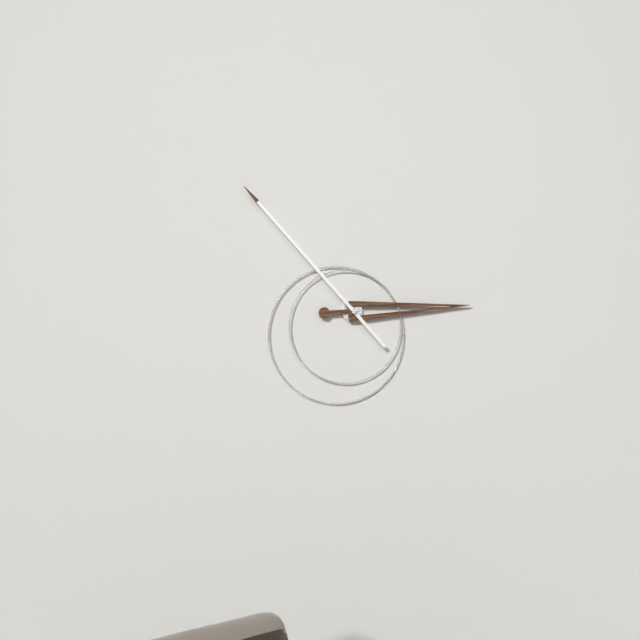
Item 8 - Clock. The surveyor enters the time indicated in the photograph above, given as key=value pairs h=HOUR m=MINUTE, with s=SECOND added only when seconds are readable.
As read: h=2 m=53
